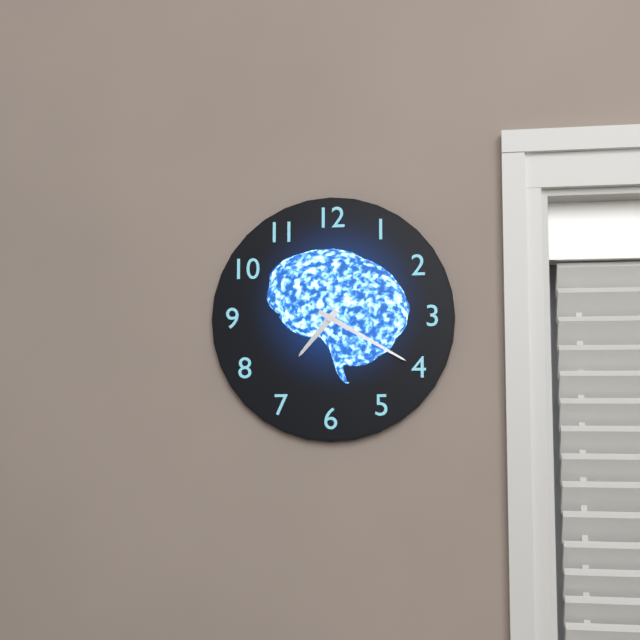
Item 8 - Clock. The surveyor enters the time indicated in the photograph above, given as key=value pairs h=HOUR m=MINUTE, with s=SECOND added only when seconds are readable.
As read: h=7 m=20
